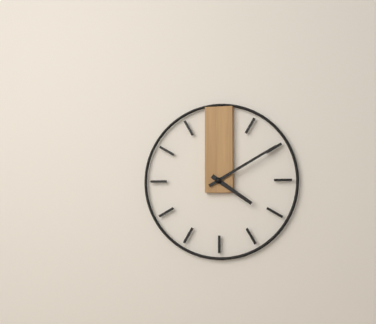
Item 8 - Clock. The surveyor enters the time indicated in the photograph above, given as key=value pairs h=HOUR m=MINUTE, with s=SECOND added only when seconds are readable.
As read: h=4 m=10
